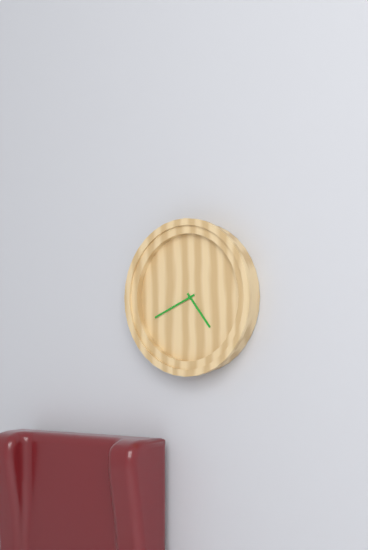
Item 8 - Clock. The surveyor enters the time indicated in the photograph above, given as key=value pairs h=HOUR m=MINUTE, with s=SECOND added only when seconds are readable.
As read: h=4 m=41
